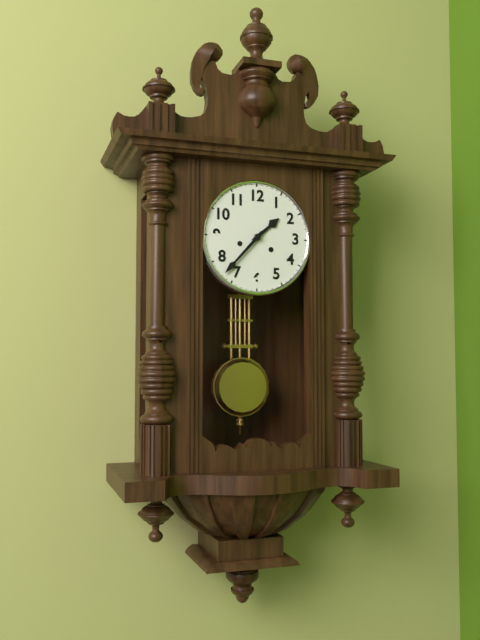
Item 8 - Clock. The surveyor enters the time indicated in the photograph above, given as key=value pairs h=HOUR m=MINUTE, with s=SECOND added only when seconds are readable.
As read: h=1 m=37
